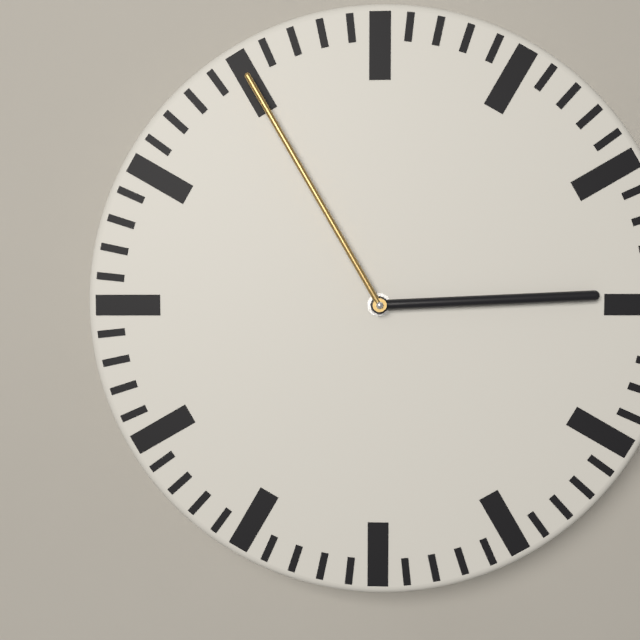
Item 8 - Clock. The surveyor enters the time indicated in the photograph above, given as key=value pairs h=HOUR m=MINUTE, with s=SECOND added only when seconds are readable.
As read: h=2 m=55
